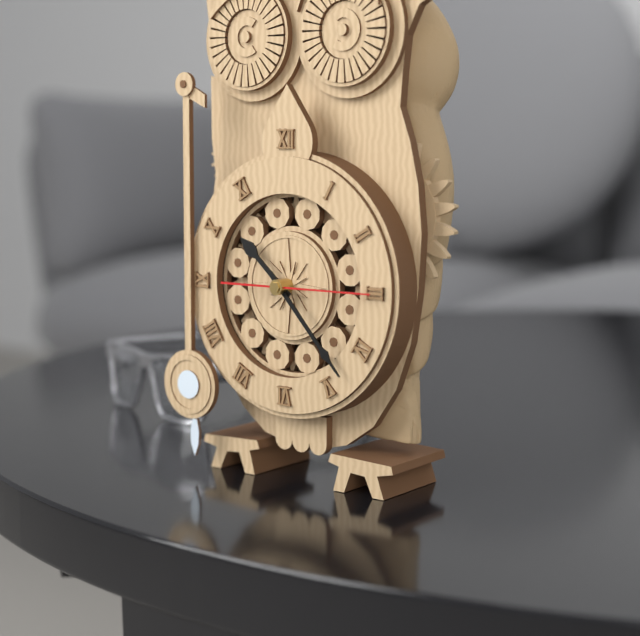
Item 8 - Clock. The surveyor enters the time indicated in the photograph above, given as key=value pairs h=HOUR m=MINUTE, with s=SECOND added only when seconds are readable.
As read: h=10 m=23 s=15
